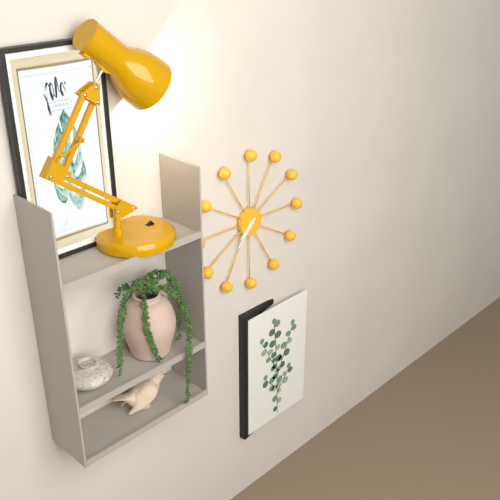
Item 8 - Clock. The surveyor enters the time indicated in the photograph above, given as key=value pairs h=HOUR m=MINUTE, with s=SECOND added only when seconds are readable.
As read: h=7 m=37
